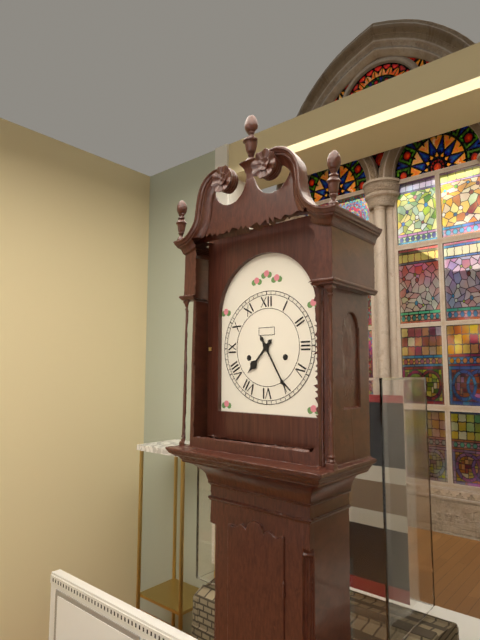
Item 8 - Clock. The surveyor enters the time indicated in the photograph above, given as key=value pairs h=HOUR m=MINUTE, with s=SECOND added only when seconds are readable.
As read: h=7 m=25
